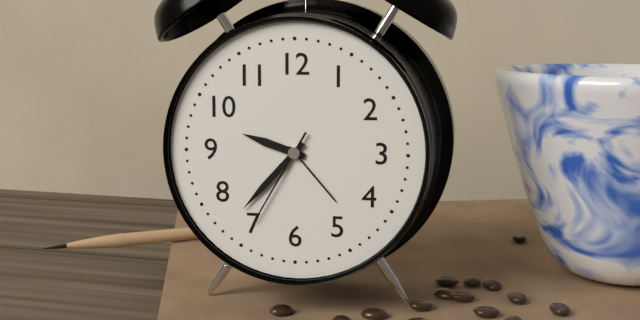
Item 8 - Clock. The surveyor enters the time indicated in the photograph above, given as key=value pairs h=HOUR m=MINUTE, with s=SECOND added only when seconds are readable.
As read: h=9 m=37 s=35
